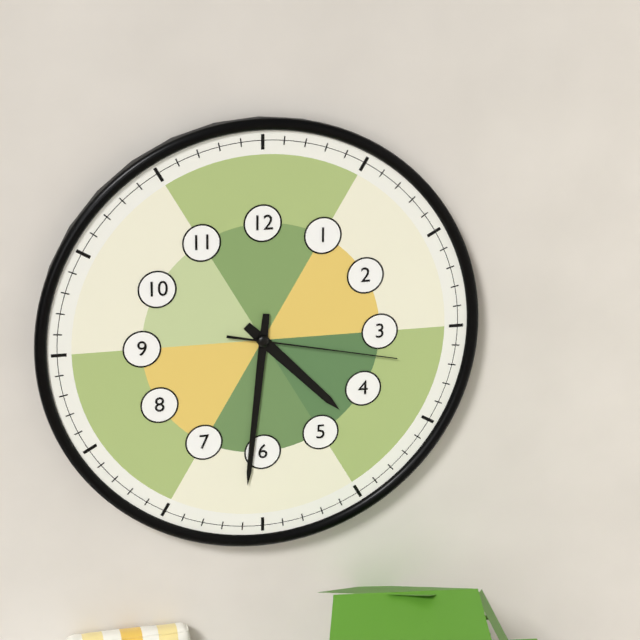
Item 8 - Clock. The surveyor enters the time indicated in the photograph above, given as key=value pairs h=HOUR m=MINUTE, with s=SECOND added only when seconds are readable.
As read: h=4 m=31 s=17
